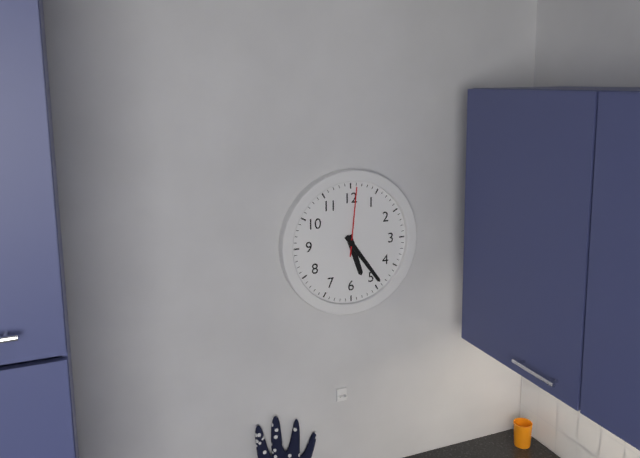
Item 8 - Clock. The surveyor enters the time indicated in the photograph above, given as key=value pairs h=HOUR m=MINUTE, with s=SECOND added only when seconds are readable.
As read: h=5 m=24 s=1
